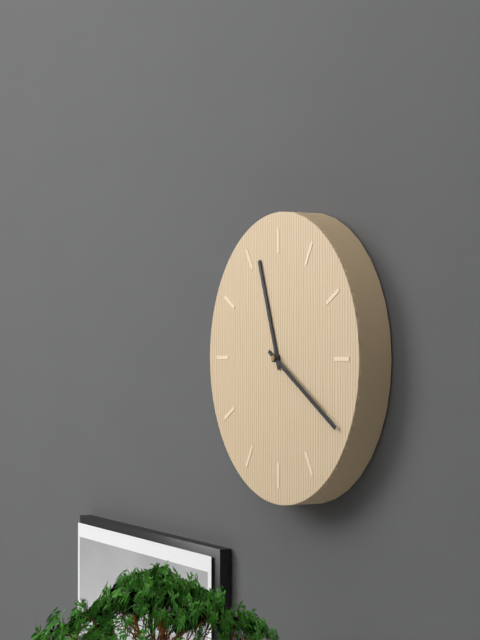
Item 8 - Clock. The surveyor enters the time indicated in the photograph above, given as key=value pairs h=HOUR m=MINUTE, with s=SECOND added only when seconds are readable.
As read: h=11 m=20
